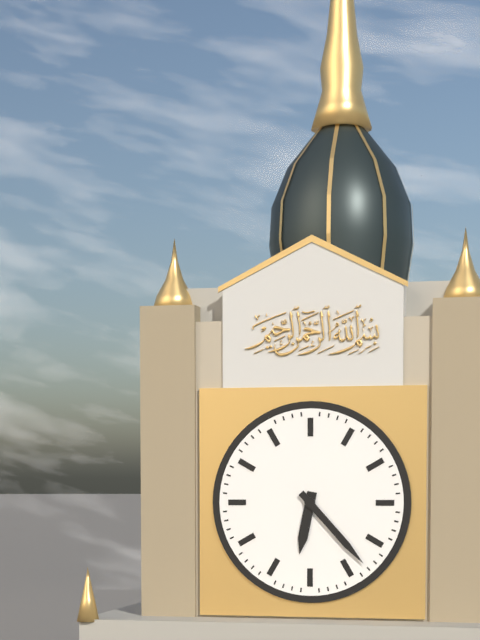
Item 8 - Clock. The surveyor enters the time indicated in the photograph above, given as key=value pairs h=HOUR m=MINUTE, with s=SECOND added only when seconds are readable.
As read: h=6 m=23
